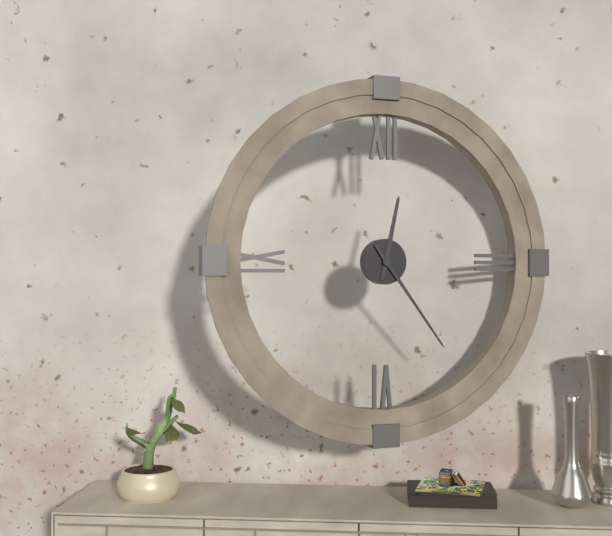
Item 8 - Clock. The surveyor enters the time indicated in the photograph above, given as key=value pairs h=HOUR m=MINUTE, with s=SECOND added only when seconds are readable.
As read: h=12 m=24
